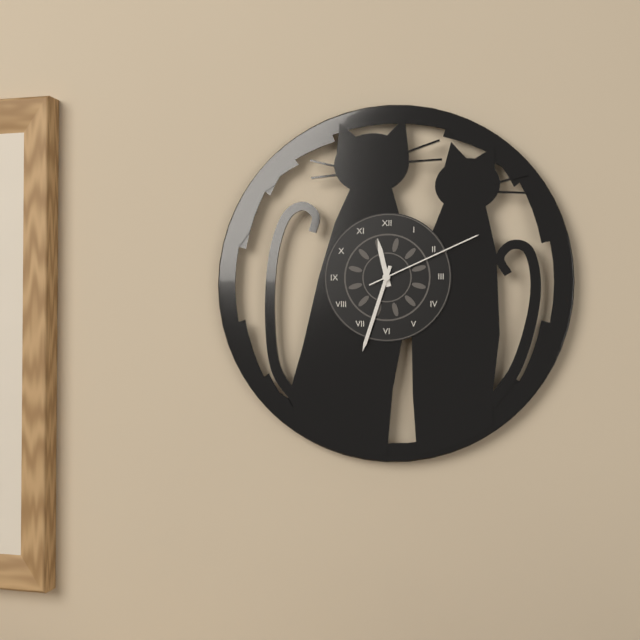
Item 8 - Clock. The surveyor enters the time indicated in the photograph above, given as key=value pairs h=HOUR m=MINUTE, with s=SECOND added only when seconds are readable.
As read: h=11 m=33 s=11
